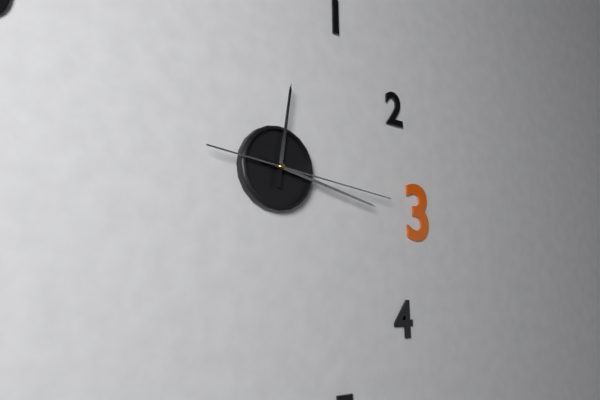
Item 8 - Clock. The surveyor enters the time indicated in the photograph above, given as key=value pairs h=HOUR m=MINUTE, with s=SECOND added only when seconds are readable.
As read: h=12 m=17 s=16
